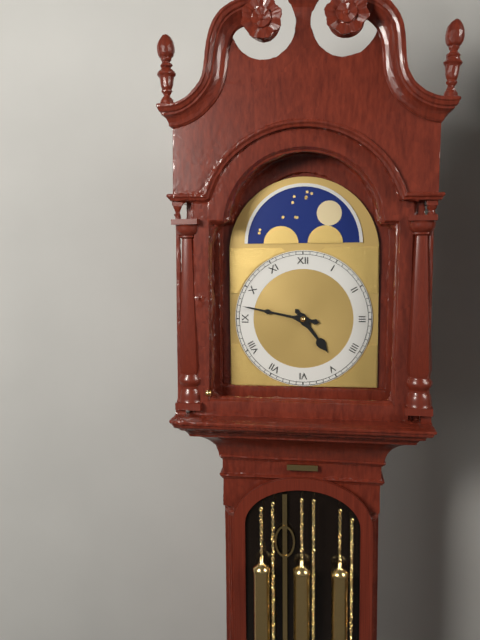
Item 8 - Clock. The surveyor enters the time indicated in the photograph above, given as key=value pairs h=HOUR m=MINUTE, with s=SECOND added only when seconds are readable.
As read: h=4 m=47
